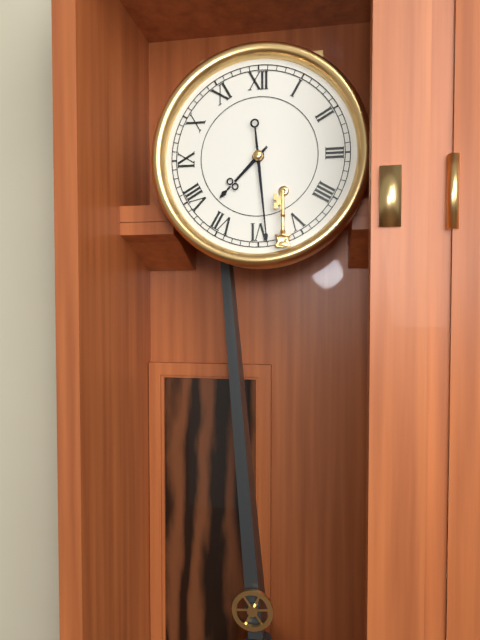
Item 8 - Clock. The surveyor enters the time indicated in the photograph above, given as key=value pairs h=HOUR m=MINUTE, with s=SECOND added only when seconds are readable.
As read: h=7 m=29
